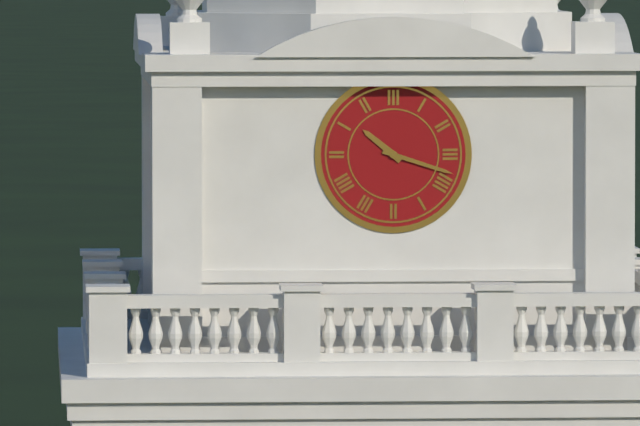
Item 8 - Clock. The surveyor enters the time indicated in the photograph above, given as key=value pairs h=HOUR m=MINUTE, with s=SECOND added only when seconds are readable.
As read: h=10 m=18
